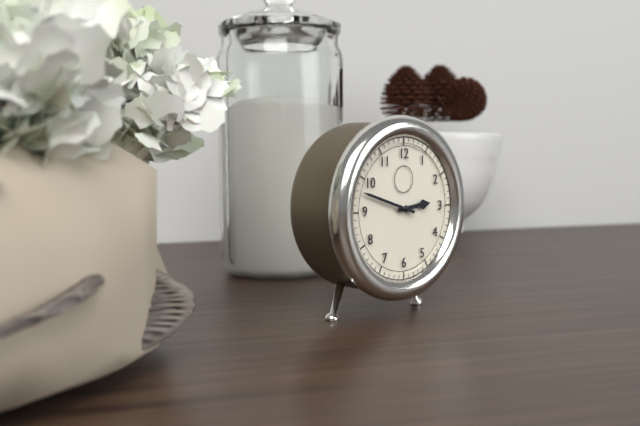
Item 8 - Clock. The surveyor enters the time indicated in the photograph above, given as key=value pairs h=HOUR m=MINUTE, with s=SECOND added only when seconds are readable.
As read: h=2 m=48
